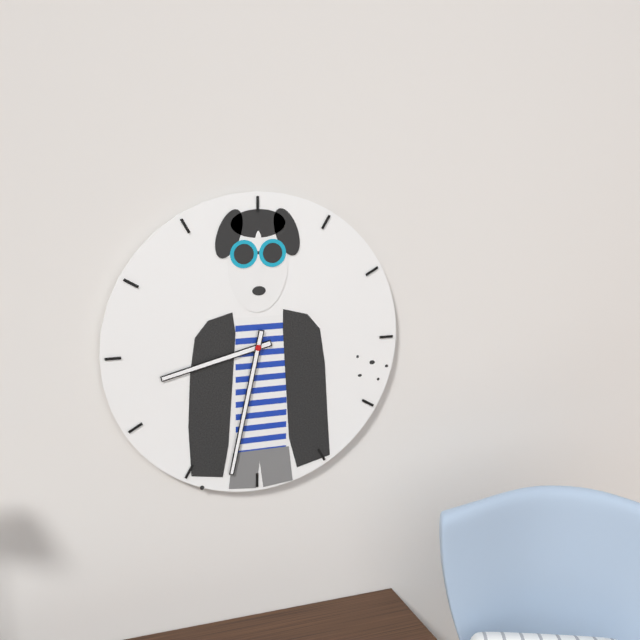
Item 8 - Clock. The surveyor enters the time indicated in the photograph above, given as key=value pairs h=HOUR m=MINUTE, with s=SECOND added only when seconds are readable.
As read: h=8 m=32
